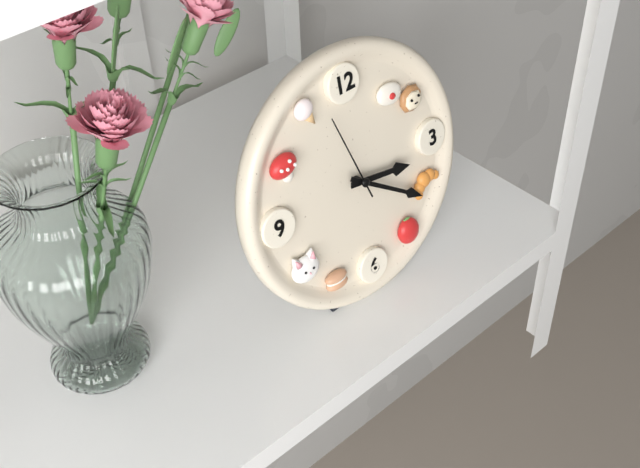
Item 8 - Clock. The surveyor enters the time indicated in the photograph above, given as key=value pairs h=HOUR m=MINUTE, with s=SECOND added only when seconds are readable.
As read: h=3 m=21 s=57
